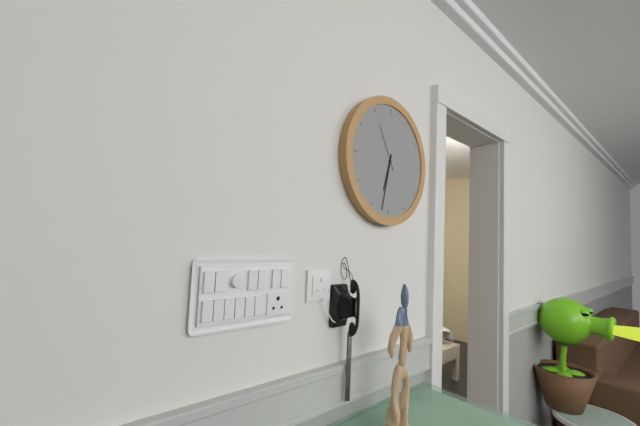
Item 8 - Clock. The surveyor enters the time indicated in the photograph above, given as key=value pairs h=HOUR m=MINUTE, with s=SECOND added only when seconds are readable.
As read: h=6 m=32
